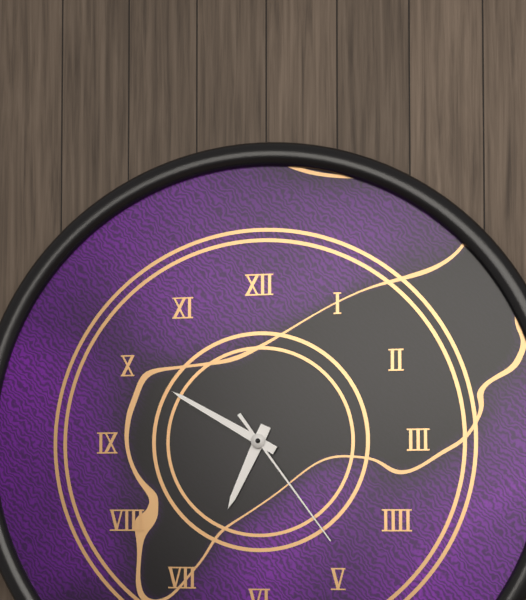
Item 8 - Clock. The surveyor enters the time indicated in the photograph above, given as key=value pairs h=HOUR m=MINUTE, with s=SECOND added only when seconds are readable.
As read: h=6 m=50 s=24
